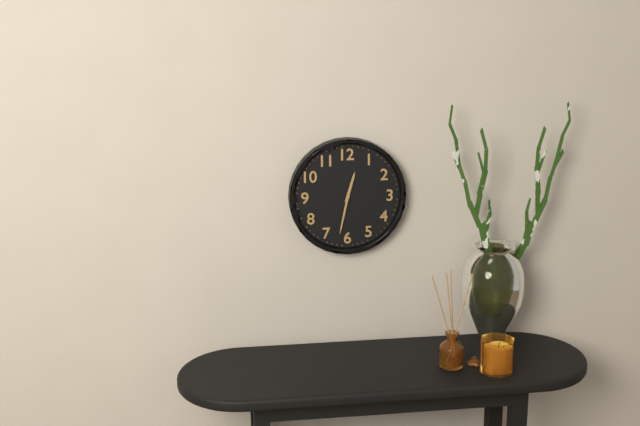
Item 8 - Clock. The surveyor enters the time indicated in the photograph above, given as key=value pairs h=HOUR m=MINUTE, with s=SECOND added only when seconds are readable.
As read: h=12 m=32
